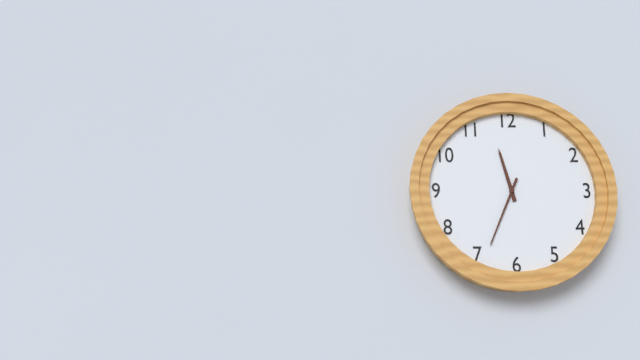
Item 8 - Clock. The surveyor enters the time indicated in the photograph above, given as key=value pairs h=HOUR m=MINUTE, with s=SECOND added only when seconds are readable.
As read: h=11 m=34
